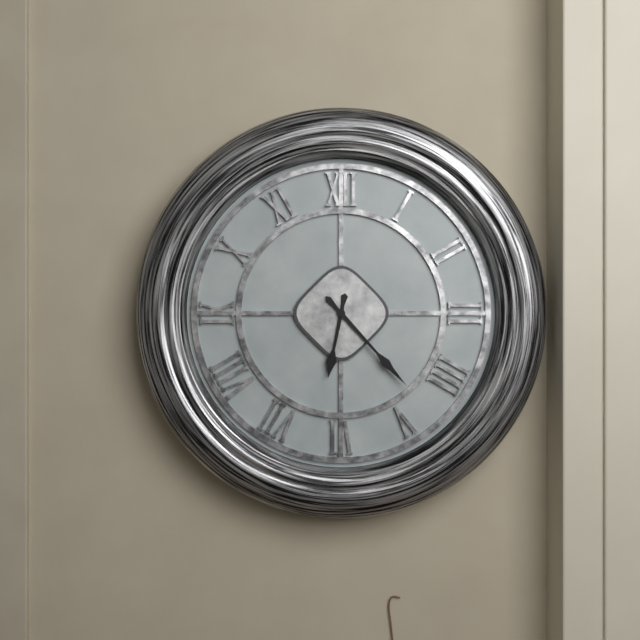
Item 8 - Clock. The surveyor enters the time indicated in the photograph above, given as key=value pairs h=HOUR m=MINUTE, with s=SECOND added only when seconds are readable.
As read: h=6 m=23
